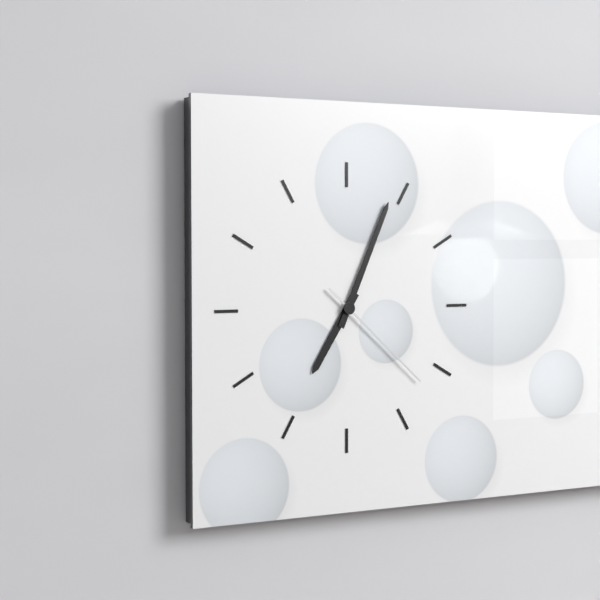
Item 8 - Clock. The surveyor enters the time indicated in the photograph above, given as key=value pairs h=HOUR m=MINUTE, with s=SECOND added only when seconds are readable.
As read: h=7 m=4 s=22
